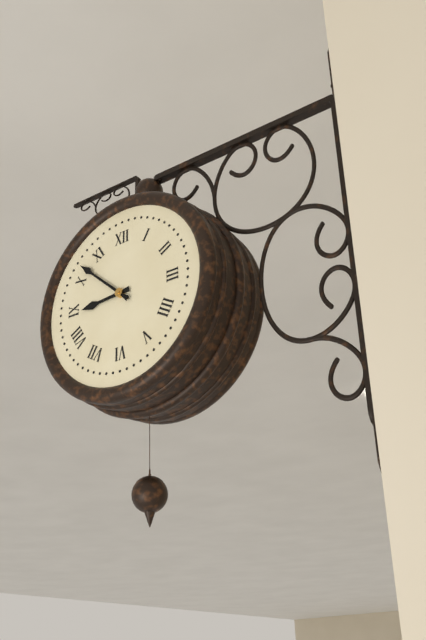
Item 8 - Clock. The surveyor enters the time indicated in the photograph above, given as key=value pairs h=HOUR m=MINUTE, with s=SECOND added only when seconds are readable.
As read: h=8 m=52
